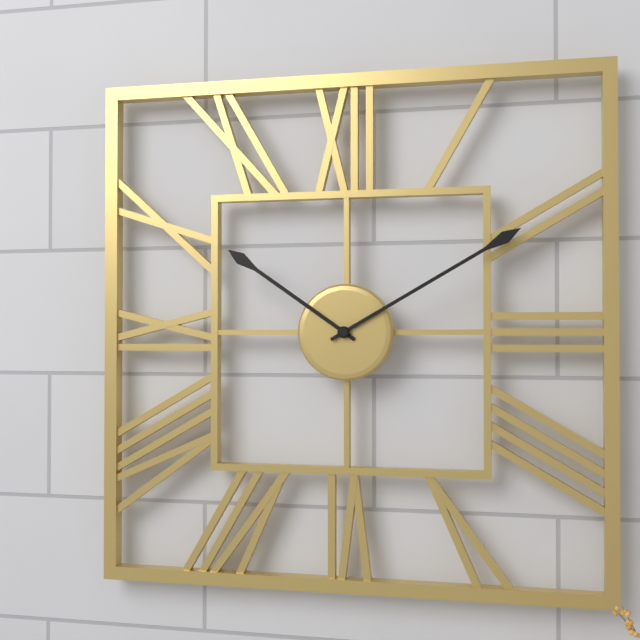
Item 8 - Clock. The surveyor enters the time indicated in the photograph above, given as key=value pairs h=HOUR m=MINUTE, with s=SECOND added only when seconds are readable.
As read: h=10 m=10
